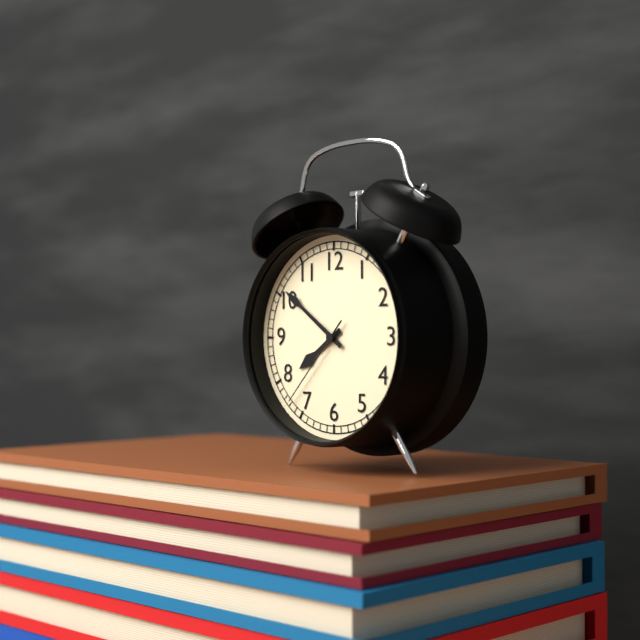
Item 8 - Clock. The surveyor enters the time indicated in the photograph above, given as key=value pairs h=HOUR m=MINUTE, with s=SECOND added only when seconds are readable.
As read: h=7 m=51 s=37
